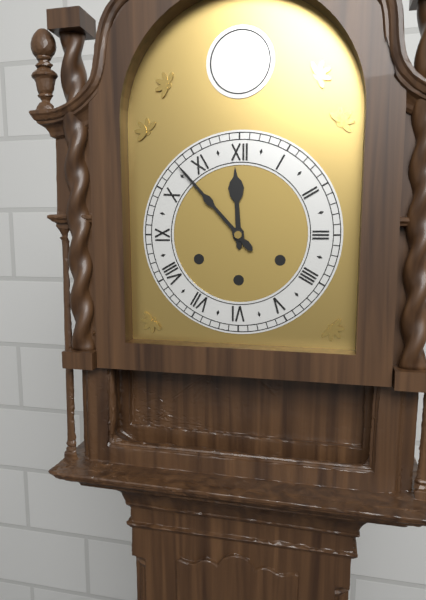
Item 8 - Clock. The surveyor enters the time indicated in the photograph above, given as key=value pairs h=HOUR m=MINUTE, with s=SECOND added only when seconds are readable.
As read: h=11 m=53
